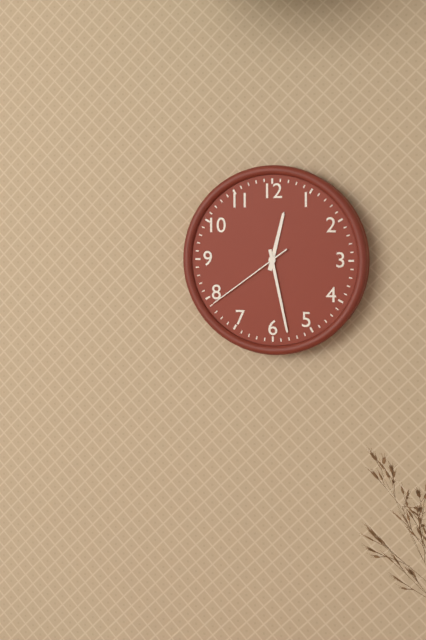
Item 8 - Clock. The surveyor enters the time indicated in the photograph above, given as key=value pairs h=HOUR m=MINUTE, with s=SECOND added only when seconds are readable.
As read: h=12 m=28 s=39
